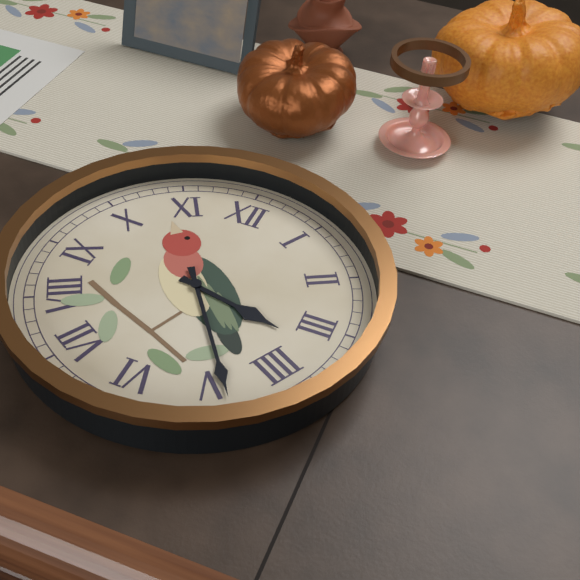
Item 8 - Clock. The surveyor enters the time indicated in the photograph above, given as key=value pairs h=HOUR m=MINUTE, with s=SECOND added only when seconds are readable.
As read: h=3 m=24
